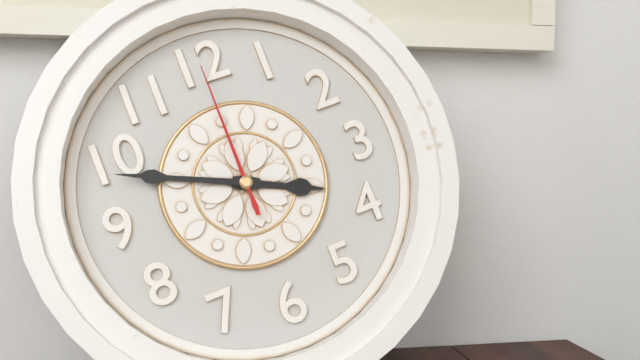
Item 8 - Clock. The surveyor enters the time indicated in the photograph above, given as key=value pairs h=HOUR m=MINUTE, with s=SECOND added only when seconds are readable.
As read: h=3 m=49 s=0
